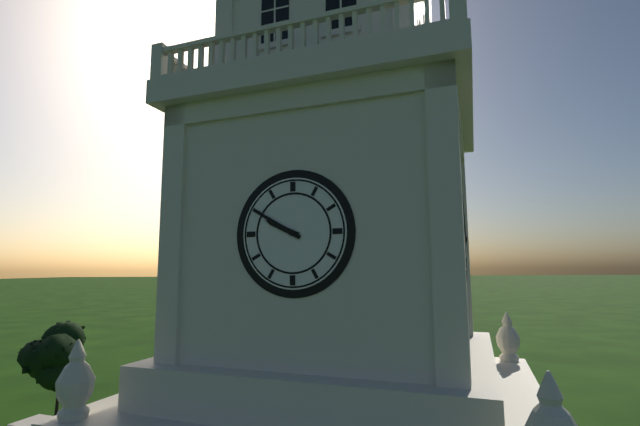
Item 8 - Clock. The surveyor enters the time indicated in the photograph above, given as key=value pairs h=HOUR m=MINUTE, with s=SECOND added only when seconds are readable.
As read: h=9 m=50
